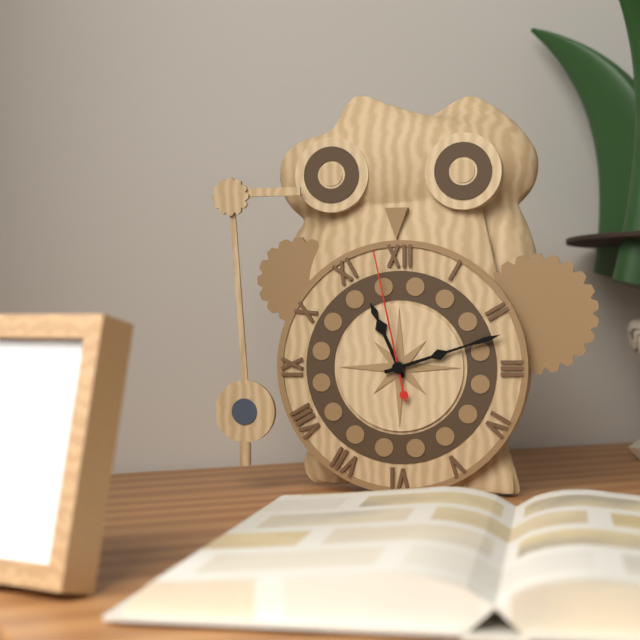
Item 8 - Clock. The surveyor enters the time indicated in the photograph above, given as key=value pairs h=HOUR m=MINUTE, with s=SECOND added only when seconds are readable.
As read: h=11 m=12 s=58
